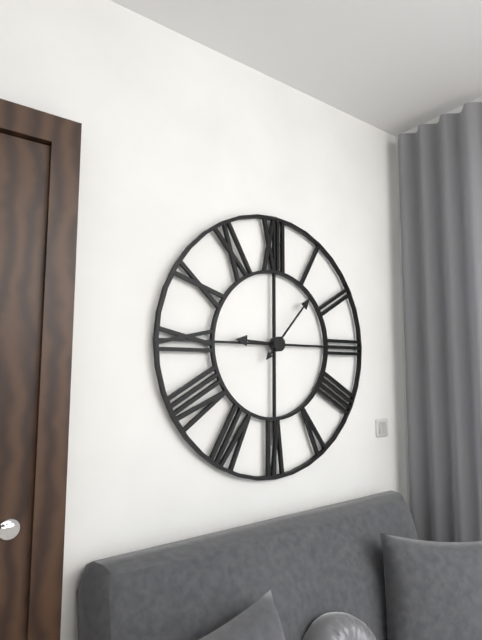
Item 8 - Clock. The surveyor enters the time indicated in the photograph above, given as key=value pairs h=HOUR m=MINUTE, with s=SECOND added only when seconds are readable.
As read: h=9 m=7
